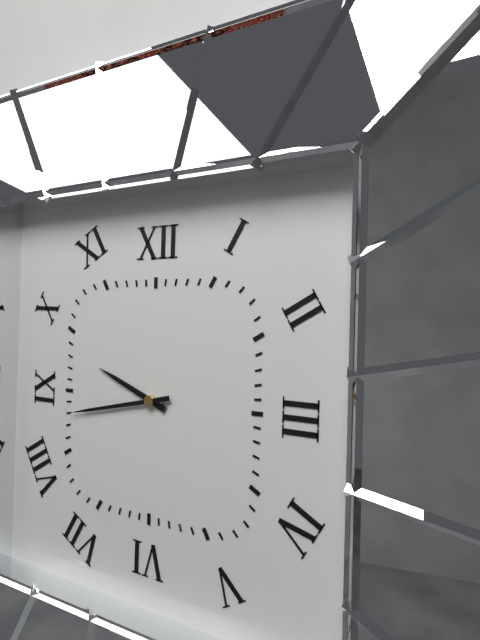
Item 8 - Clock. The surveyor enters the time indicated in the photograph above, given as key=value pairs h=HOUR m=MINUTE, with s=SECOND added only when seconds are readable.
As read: h=9 m=43
